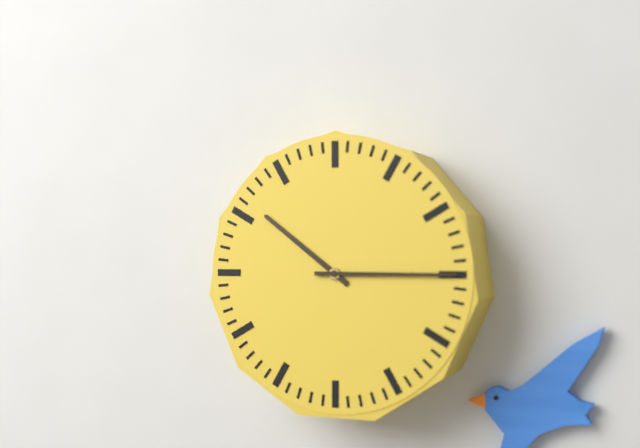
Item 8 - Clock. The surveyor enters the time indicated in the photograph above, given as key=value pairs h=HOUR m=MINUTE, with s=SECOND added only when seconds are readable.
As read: h=10 m=15
